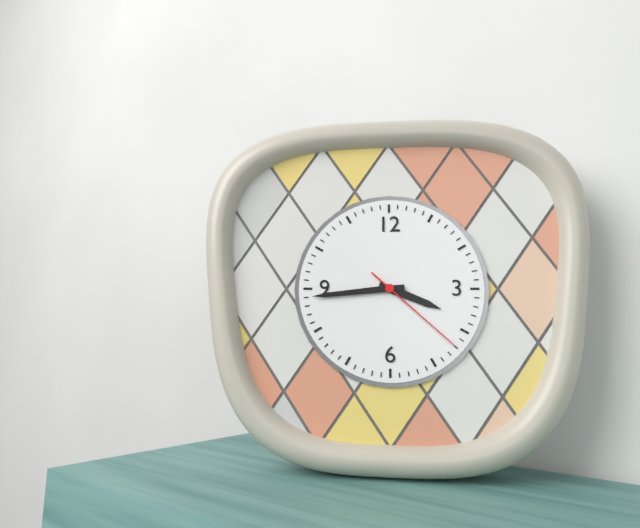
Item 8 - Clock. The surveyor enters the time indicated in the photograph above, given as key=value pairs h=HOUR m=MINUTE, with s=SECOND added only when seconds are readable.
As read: h=3 m=44 s=22
